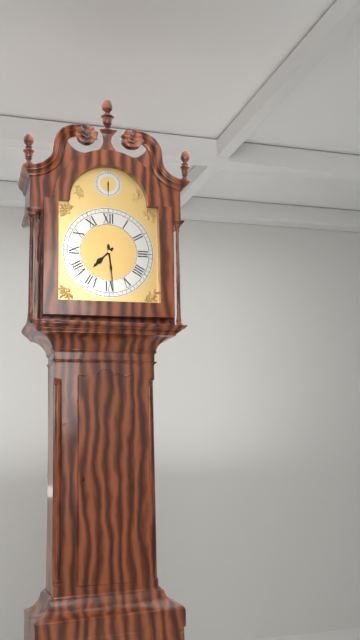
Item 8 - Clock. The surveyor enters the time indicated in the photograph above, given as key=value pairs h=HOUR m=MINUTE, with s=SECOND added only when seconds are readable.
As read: h=7 m=29
